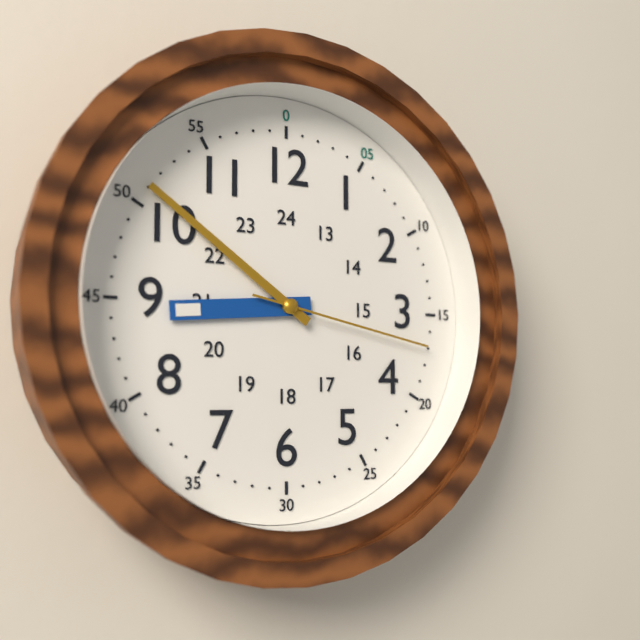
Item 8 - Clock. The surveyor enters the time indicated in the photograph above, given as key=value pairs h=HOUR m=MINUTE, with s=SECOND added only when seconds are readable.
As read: h=8 m=51 s=17
